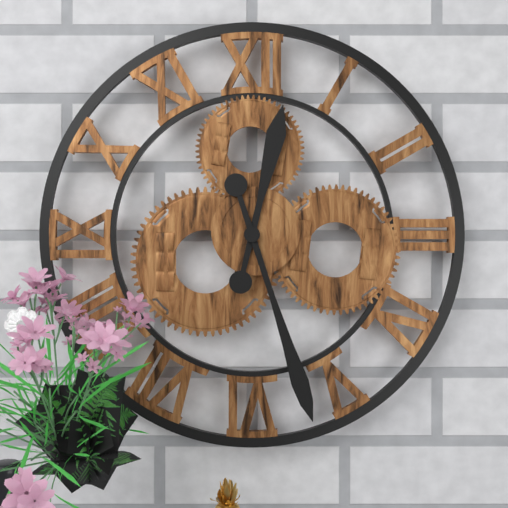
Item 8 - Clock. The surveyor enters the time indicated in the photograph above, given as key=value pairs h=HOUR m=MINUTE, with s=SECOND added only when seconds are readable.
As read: h=12 m=27
